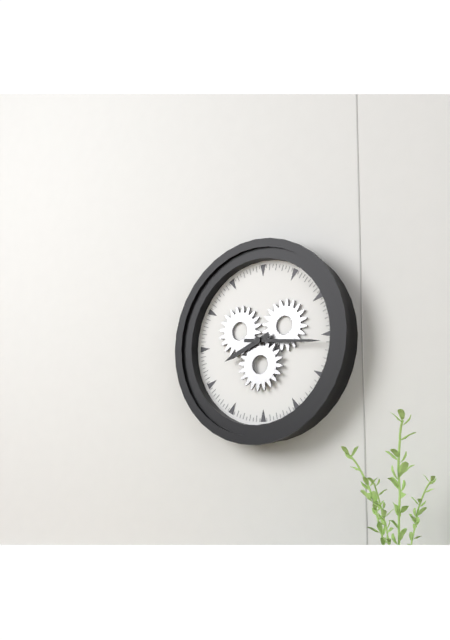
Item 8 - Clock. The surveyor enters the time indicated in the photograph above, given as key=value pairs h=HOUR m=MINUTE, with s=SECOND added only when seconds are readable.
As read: h=8 m=16
